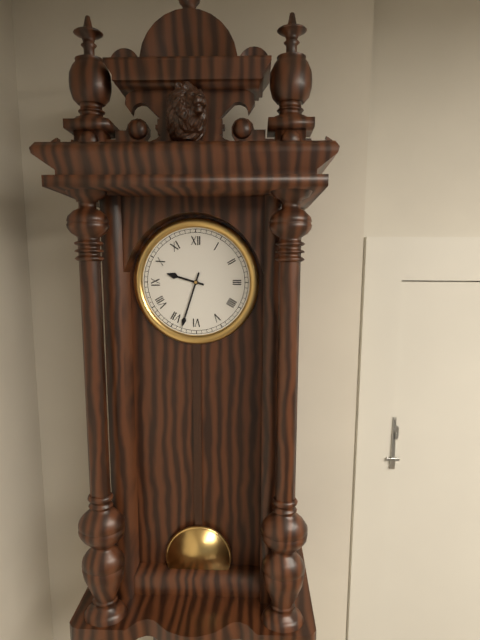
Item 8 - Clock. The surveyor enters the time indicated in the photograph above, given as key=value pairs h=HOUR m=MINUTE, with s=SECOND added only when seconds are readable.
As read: h=9 m=33
